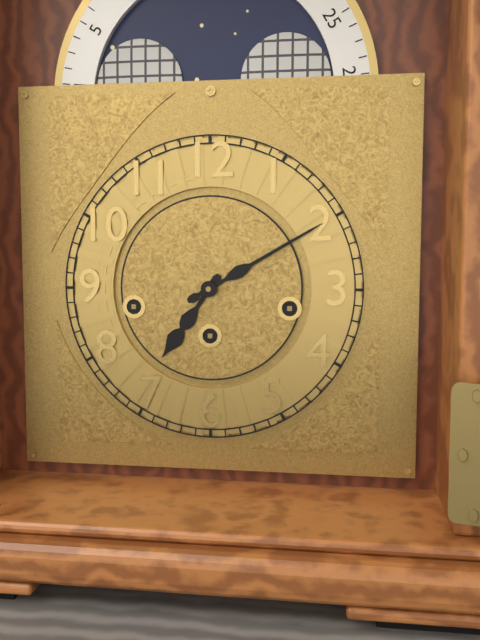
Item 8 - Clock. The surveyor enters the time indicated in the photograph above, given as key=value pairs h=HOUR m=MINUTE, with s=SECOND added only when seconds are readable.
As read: h=7 m=10
